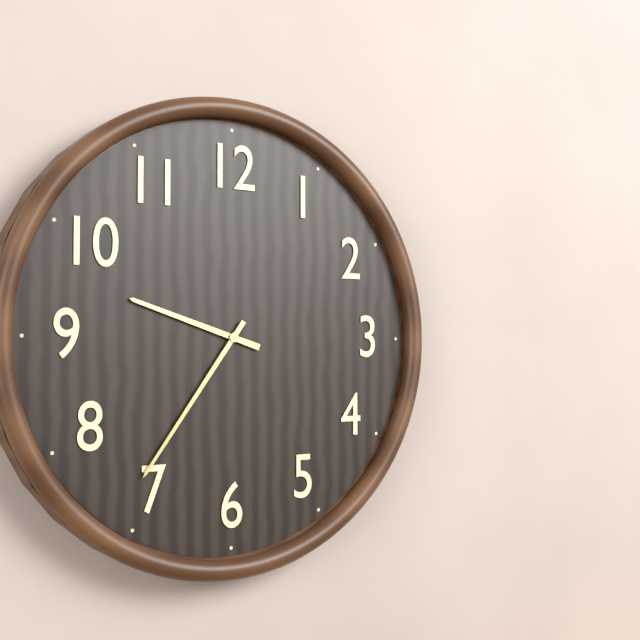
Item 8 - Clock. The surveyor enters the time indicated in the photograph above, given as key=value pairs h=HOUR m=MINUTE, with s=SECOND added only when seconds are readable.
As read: h=9 m=36
